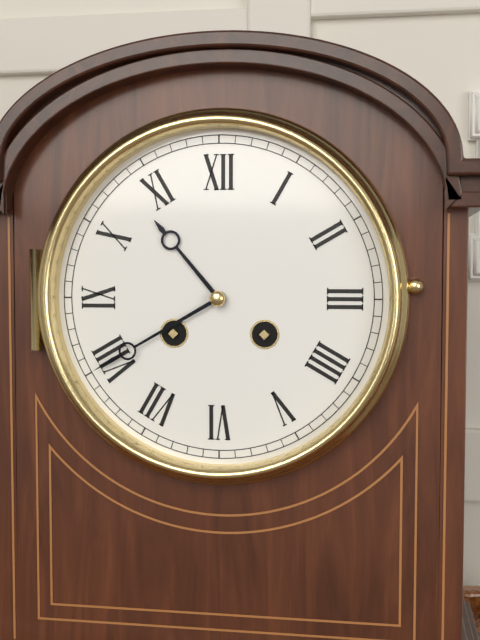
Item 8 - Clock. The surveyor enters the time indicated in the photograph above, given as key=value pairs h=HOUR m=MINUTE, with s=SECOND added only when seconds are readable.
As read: h=10 m=40
